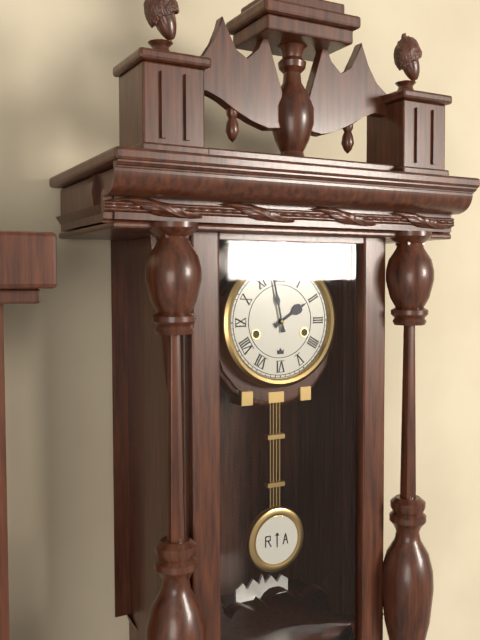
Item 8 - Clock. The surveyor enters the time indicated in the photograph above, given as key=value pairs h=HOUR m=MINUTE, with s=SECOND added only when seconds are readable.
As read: h=1 m=58
